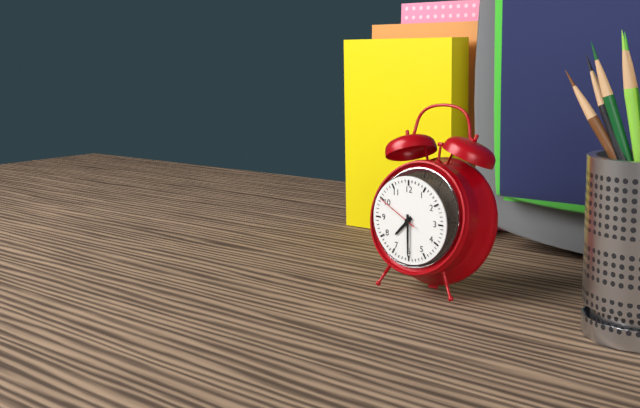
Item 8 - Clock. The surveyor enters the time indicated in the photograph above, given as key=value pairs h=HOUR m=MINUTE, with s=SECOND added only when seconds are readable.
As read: h=7 m=30
